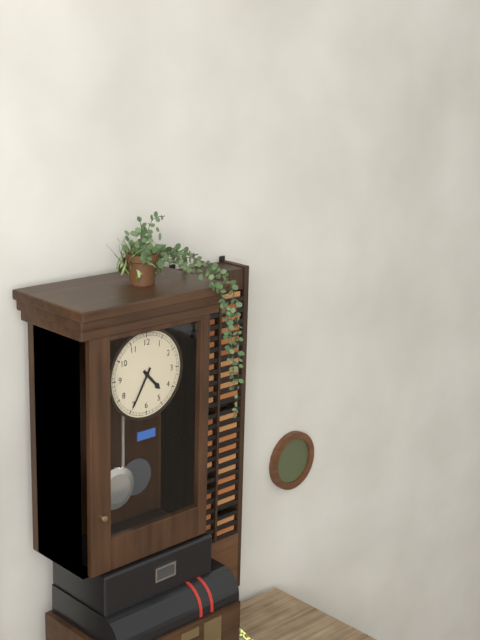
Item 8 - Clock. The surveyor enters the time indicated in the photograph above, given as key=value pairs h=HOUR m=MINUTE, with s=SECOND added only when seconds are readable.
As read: h=4 m=35
